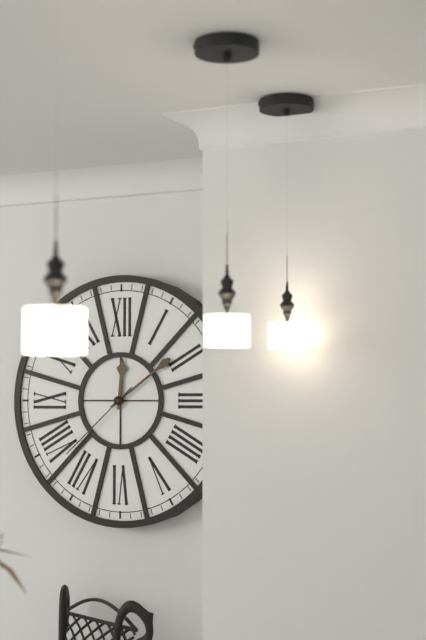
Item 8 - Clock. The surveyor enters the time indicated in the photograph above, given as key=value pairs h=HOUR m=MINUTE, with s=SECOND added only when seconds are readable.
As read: h=12 m=9 s=38
